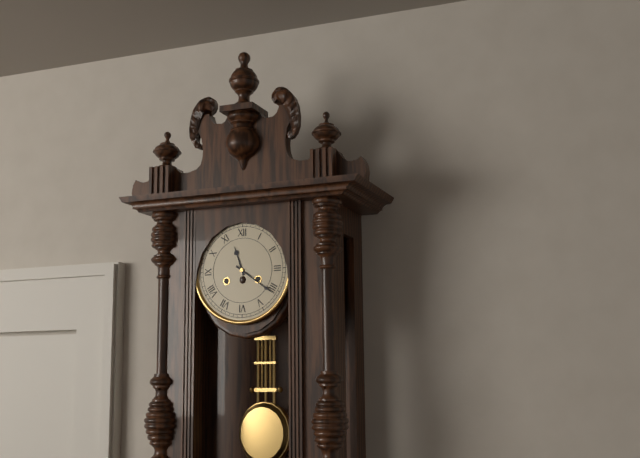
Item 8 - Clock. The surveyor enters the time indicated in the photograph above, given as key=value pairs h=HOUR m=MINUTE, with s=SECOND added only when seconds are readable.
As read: h=11 m=21
